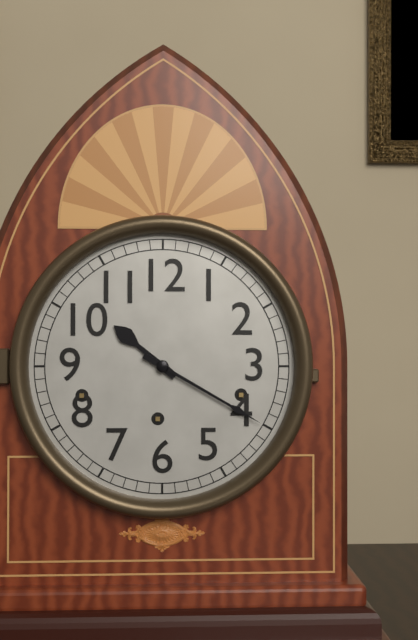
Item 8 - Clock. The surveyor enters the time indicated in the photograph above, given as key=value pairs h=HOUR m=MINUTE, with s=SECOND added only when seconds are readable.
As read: h=10 m=20
